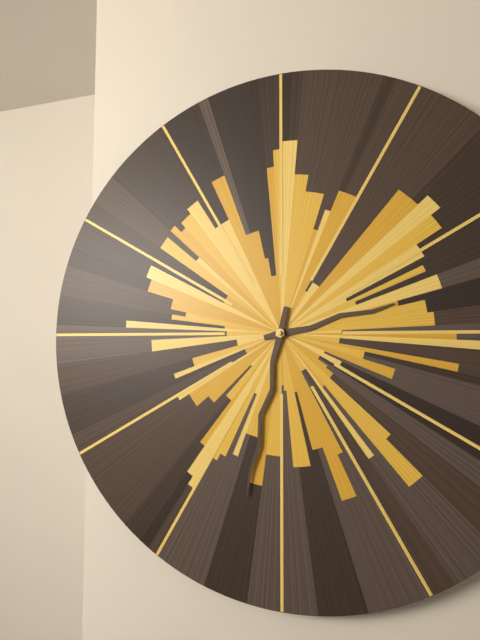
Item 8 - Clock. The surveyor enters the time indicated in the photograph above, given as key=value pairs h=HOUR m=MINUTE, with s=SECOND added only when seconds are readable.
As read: h=2 m=32
